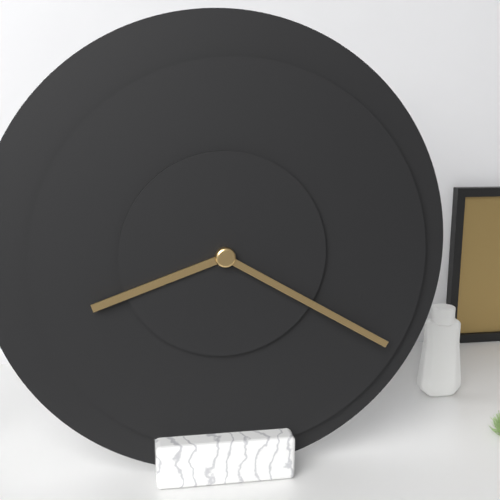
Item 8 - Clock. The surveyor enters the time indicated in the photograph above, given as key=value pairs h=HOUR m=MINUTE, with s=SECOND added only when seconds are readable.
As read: h=8 m=20
